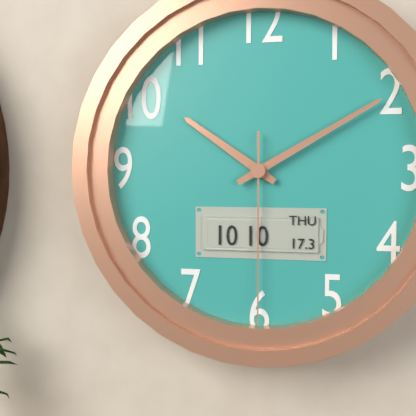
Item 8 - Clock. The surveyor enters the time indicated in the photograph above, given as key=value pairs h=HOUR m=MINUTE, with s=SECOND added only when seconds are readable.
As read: h=10 m=10 s=30
